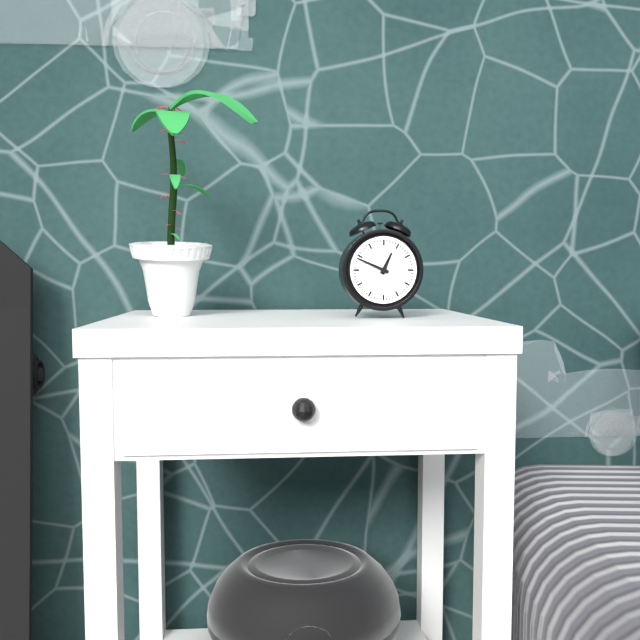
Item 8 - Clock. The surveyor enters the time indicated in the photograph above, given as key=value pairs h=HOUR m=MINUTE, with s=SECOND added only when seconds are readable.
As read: h=12 m=49
